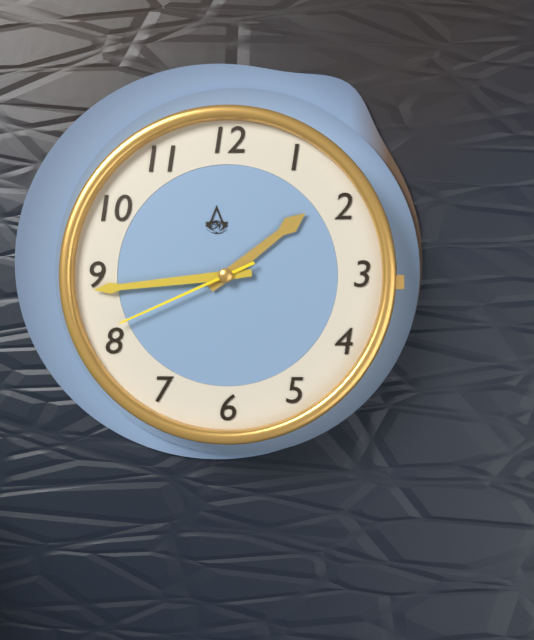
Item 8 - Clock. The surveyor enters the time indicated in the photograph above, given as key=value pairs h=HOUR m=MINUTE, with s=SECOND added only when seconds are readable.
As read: h=1 m=44 s=41
